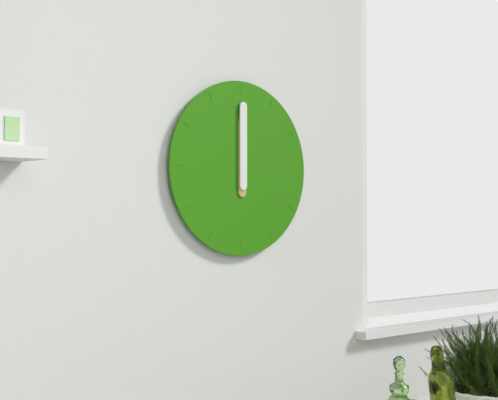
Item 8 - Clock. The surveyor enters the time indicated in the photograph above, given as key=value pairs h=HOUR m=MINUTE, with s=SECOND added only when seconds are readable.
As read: h=12 m=0
